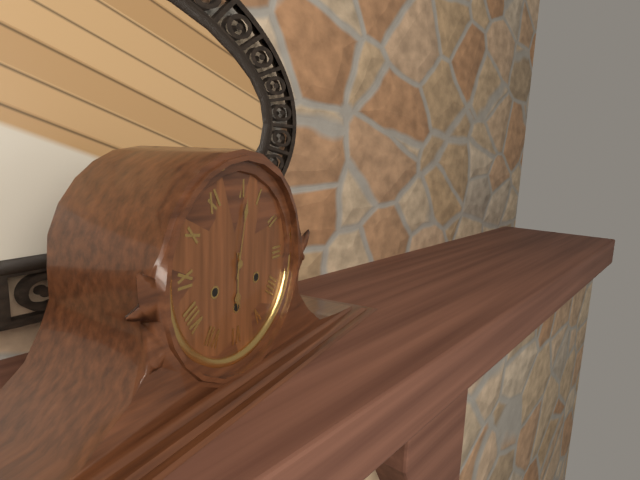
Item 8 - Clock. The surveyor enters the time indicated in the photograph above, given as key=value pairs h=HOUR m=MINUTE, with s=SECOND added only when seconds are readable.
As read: h=6 m=2
